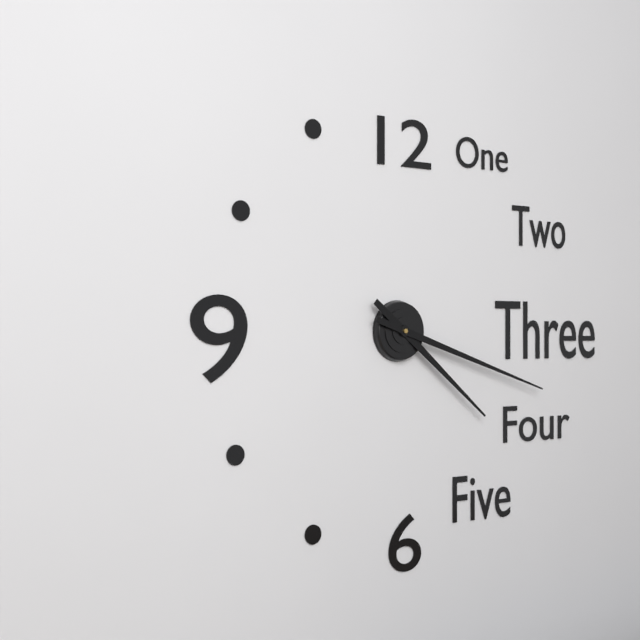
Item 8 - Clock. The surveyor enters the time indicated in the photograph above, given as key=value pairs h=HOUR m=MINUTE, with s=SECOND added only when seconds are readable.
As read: h=4 m=18
